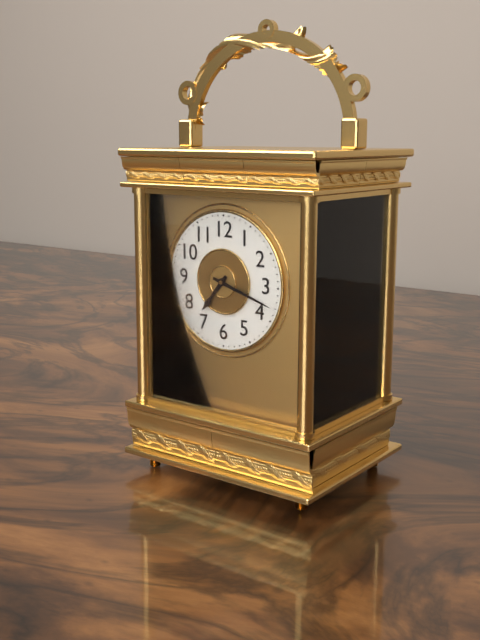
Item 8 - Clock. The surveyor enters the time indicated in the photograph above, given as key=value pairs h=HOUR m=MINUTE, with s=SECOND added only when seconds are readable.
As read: h=7 m=18
